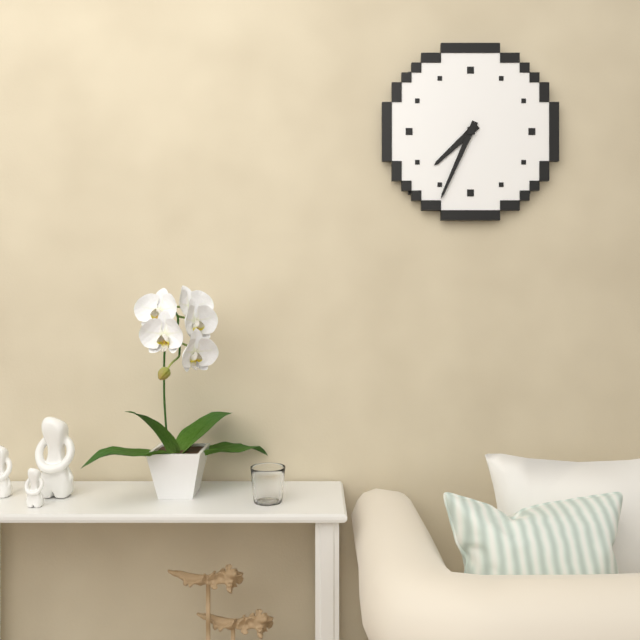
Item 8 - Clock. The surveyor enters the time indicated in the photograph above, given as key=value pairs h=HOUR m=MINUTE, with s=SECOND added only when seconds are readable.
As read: h=7 m=34
